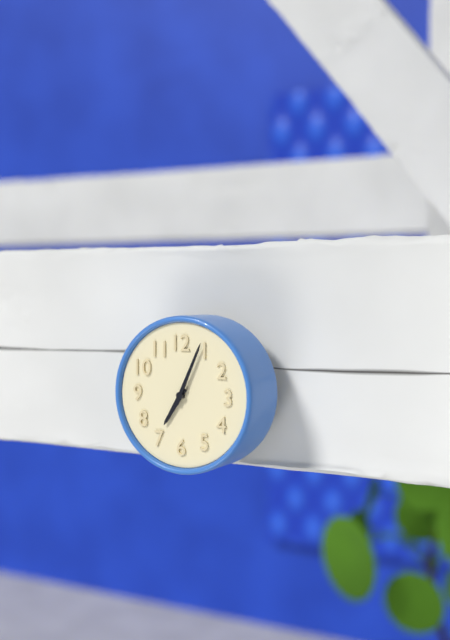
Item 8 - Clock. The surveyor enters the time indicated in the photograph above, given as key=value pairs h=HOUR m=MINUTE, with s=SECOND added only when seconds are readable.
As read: h=7 m=4
